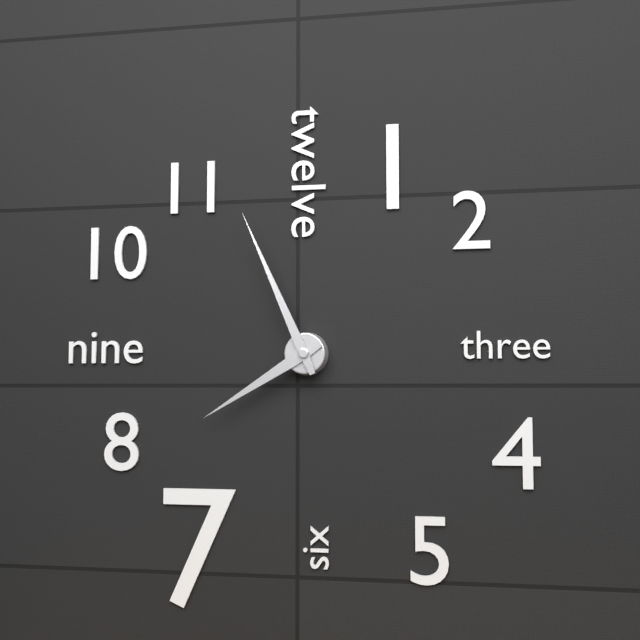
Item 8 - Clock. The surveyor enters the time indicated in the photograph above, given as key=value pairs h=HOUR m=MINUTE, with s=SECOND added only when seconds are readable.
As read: h=7 m=56
